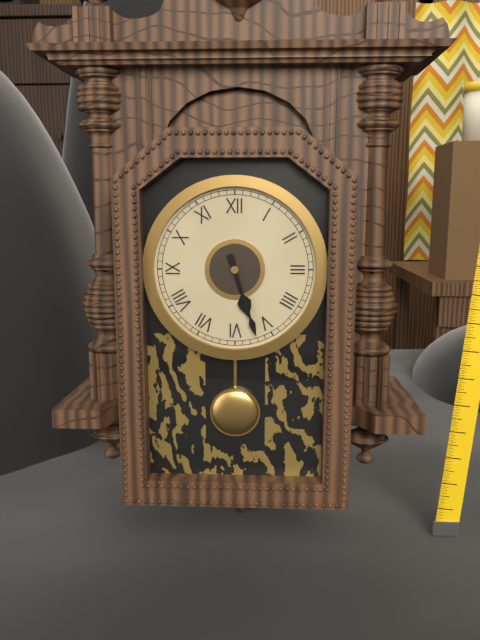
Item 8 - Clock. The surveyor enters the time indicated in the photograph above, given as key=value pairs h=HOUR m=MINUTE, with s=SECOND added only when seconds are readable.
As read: h=5 m=27
